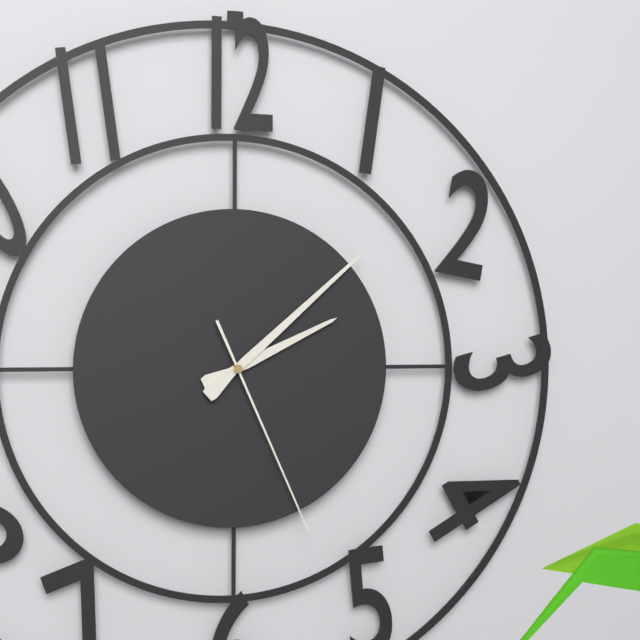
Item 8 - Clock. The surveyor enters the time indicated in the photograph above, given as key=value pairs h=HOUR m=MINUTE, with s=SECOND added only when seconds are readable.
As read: h=2 m=8 s=26
